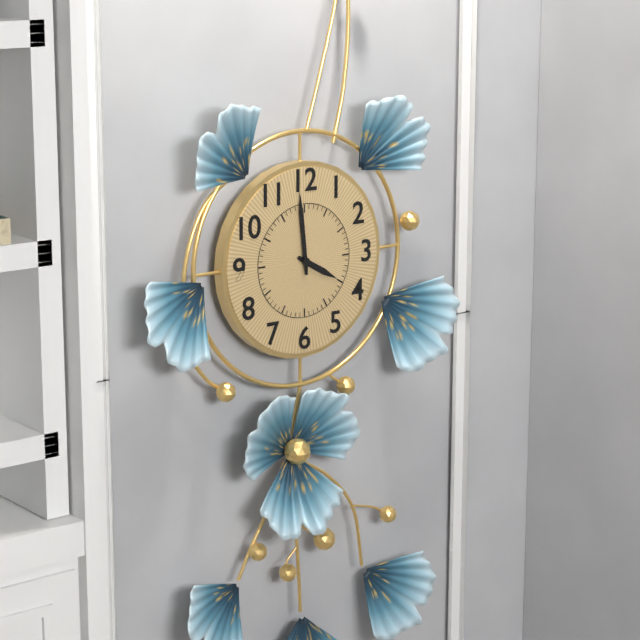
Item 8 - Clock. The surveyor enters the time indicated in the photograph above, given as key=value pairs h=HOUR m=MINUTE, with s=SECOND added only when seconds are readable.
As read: h=3 m=59
